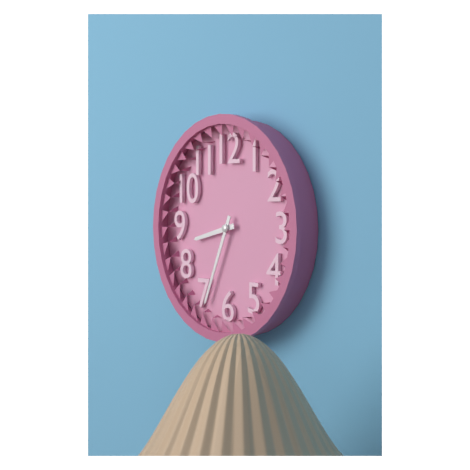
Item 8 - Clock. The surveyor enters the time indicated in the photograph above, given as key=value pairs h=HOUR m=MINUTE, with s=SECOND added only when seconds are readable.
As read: h=8 m=34
